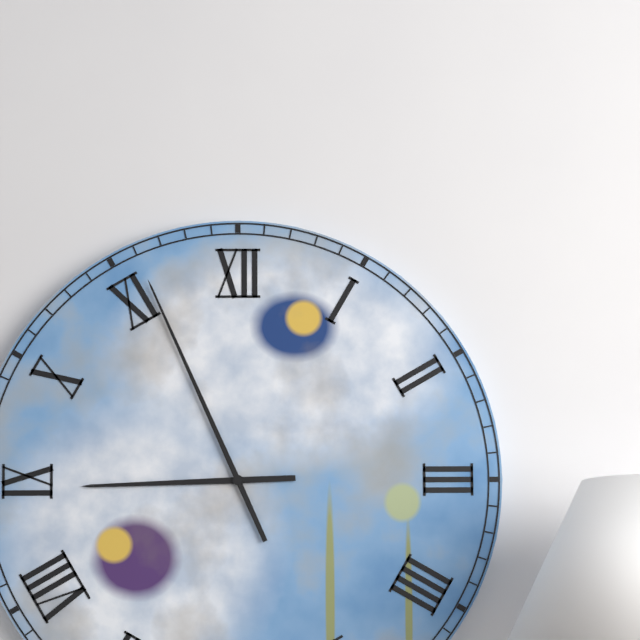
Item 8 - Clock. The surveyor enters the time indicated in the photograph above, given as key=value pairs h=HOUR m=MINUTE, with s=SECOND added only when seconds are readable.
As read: h=8 m=56
